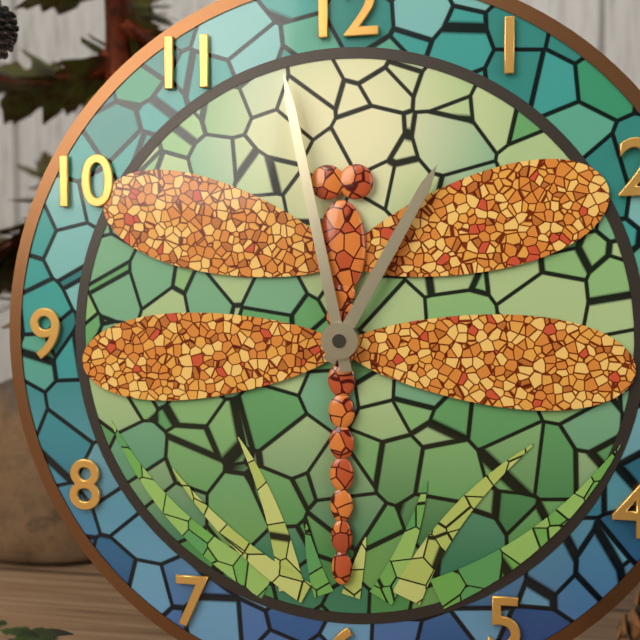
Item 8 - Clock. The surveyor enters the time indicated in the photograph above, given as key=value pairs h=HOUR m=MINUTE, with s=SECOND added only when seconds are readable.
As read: h=12 m=58
